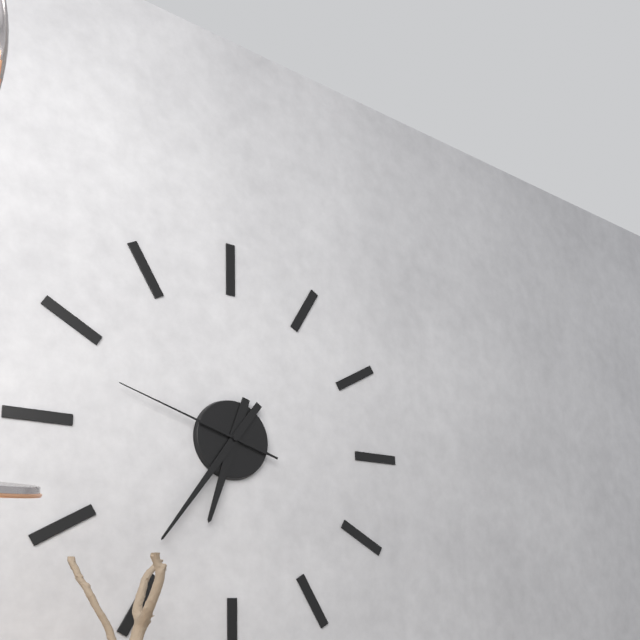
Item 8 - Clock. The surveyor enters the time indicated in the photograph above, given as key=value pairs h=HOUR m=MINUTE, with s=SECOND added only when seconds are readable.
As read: h=6 m=36 s=48
